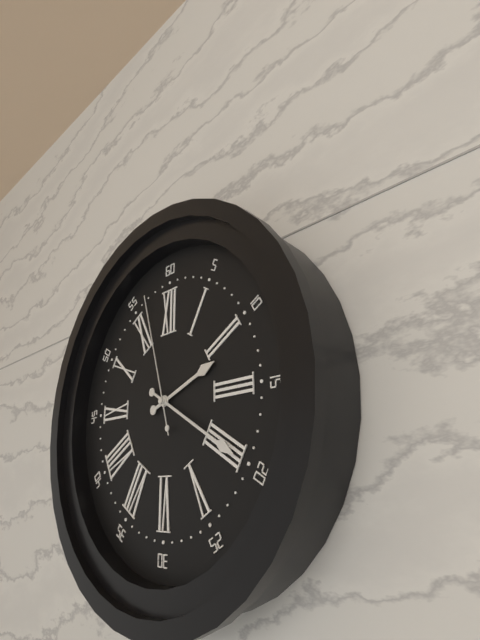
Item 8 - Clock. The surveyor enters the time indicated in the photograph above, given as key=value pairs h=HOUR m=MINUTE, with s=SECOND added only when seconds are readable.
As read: h=2 m=20 s=57
